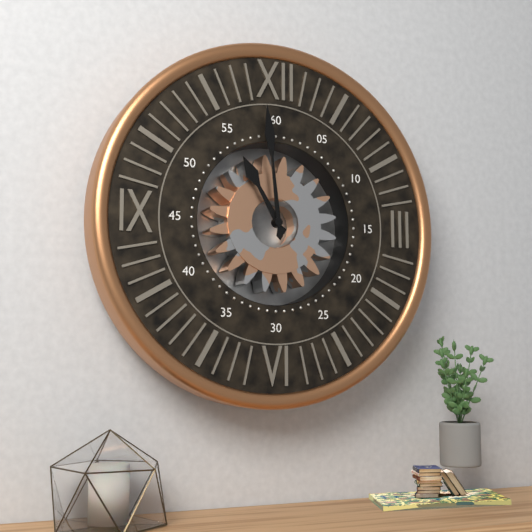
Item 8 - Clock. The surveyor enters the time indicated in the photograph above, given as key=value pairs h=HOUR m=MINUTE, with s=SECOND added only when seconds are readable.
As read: h=10 m=59
